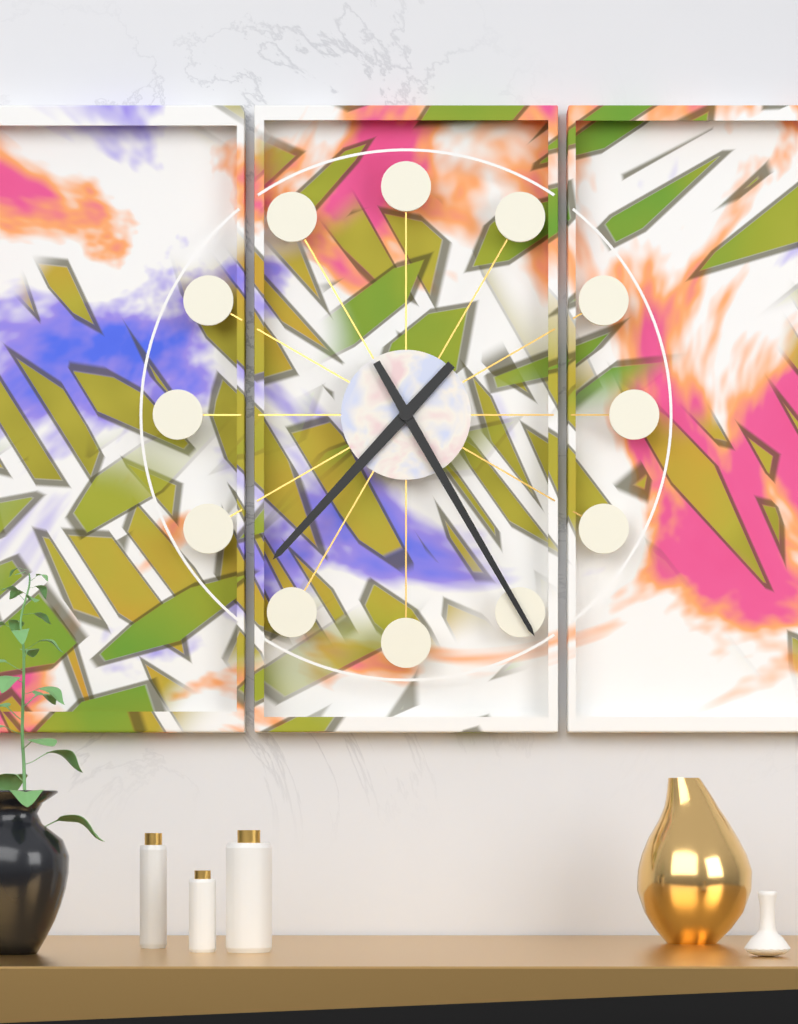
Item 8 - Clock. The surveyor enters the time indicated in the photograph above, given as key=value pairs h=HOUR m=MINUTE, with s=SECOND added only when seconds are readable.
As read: h=7 m=25
